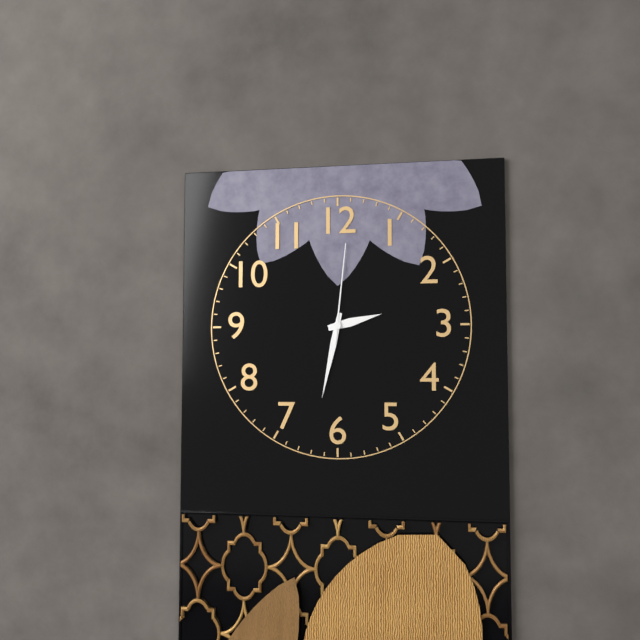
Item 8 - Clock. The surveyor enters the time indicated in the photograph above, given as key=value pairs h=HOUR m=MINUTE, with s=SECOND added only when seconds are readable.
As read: h=2 m=32 s=1
